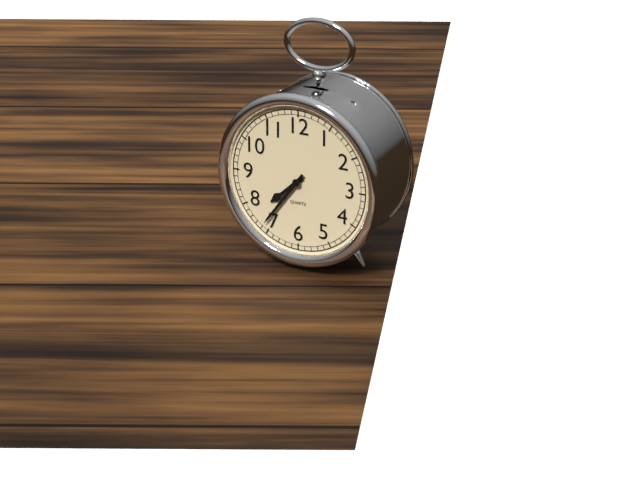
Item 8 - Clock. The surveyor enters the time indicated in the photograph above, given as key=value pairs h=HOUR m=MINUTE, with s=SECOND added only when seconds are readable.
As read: h=7 m=36
